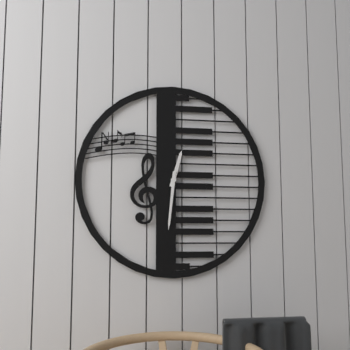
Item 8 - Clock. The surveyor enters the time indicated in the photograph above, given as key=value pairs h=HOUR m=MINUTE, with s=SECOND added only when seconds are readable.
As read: h=12 m=31
